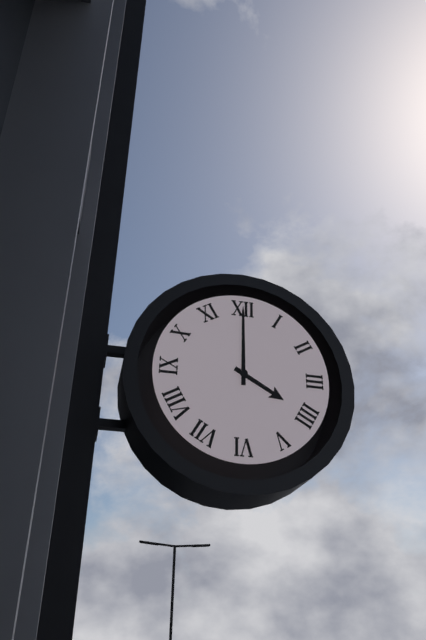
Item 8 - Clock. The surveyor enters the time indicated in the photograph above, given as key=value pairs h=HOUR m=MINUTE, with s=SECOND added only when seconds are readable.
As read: h=4 m=0
